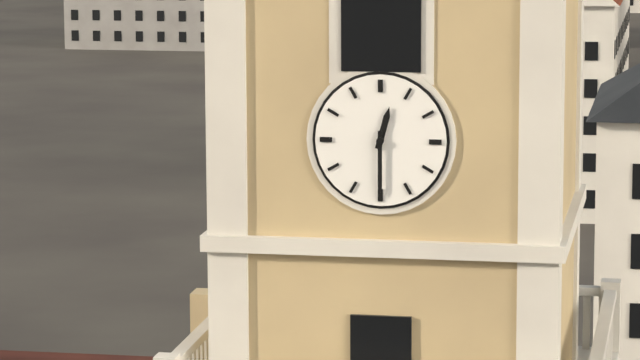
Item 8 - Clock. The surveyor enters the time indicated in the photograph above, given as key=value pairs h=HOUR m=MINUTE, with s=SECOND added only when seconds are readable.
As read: h=12 m=30
